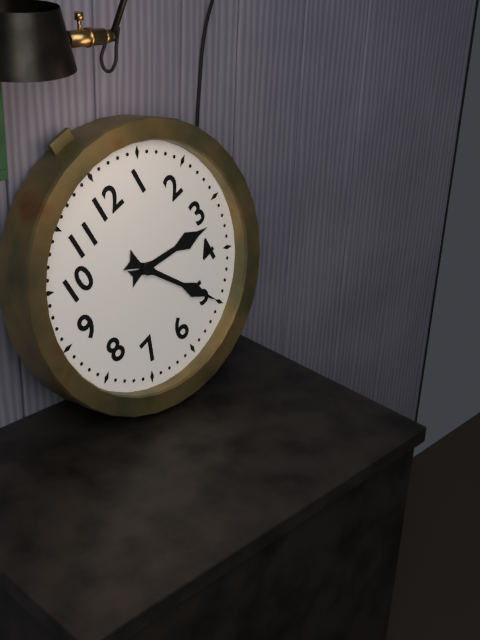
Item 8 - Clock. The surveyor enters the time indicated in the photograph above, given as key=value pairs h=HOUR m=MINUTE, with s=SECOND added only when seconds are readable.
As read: h=3 m=25
